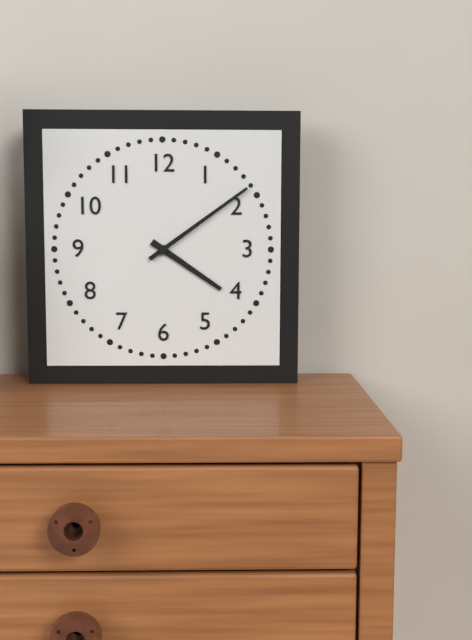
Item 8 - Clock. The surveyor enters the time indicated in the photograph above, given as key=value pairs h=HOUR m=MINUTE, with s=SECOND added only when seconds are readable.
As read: h=4 m=9
